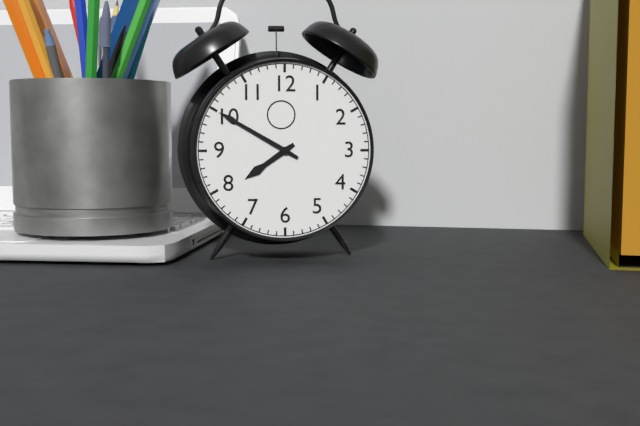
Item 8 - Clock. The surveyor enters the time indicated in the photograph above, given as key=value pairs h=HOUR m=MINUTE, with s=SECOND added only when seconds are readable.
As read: h=7 m=50
